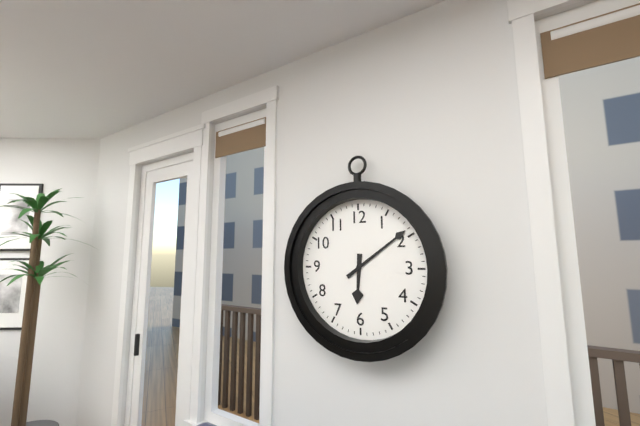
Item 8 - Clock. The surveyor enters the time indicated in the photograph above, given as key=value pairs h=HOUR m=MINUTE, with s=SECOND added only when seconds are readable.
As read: h=6 m=9
